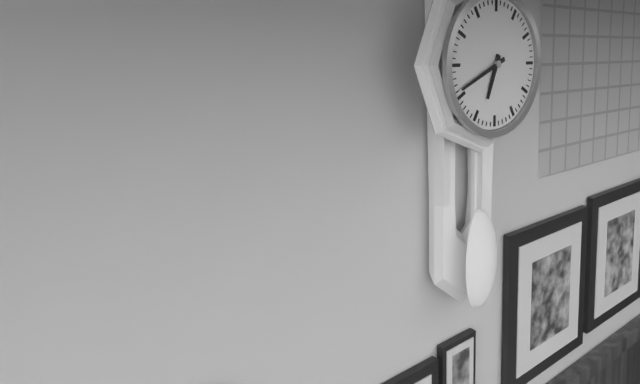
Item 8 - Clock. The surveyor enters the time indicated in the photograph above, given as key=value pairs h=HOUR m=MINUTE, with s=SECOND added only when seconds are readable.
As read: h=6 m=41
